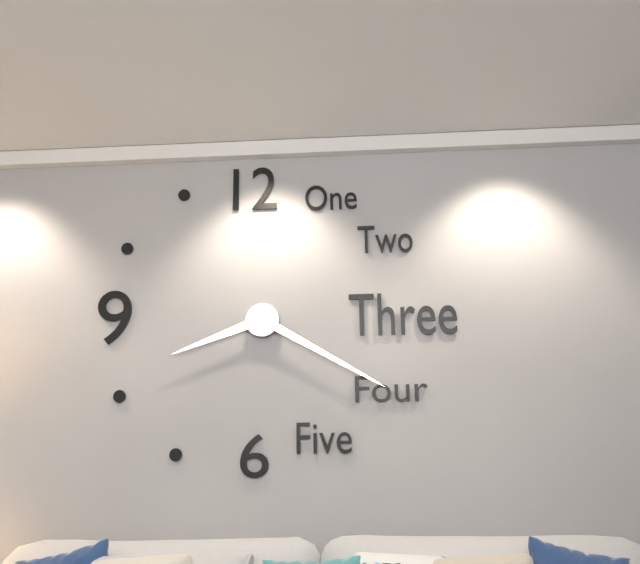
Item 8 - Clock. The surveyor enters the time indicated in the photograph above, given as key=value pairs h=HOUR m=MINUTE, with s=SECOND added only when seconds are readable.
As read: h=8 m=20
